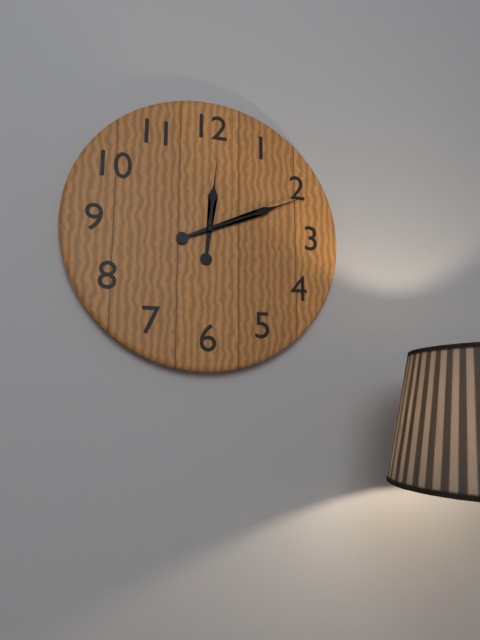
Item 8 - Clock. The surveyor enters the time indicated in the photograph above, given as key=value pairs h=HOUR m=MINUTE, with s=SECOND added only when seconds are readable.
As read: h=12 m=11
